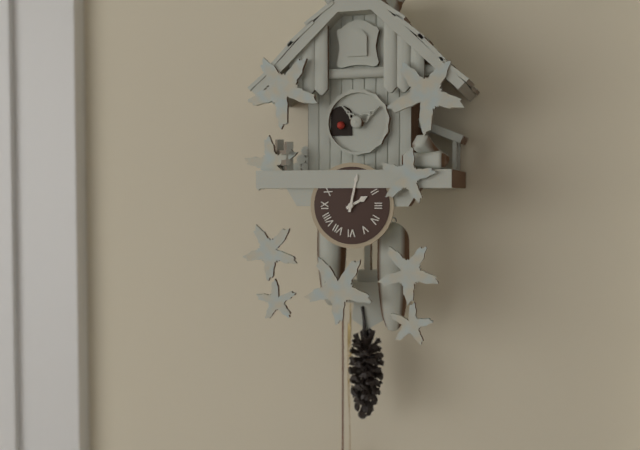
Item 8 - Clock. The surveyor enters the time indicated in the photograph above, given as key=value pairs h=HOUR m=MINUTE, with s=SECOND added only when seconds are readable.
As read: h=2 m=2
